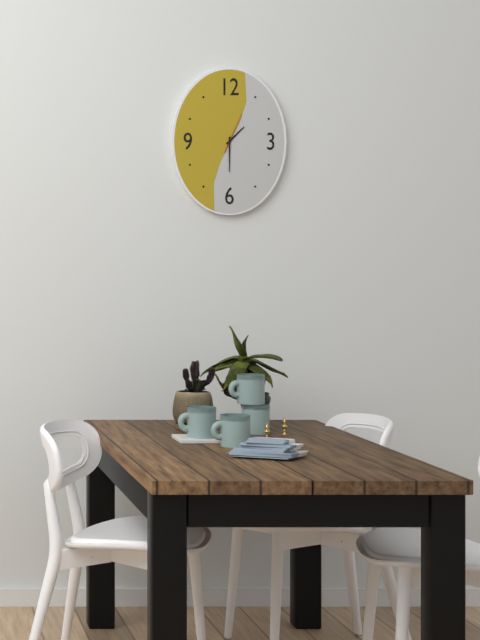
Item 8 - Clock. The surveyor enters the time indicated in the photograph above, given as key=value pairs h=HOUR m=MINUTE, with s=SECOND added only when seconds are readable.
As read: h=1 m=30
